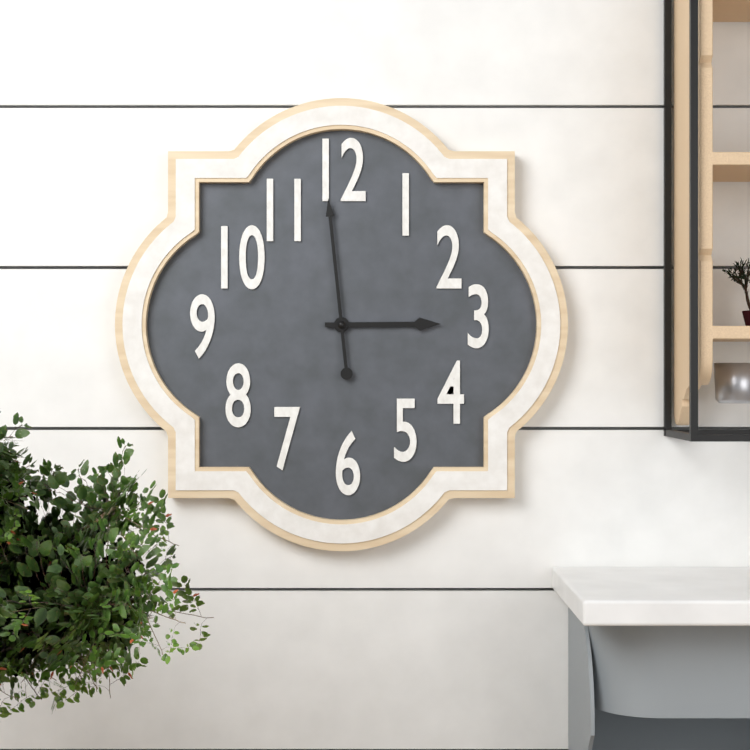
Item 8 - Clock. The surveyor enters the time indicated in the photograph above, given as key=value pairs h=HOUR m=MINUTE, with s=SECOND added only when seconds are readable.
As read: h=2 m=59
